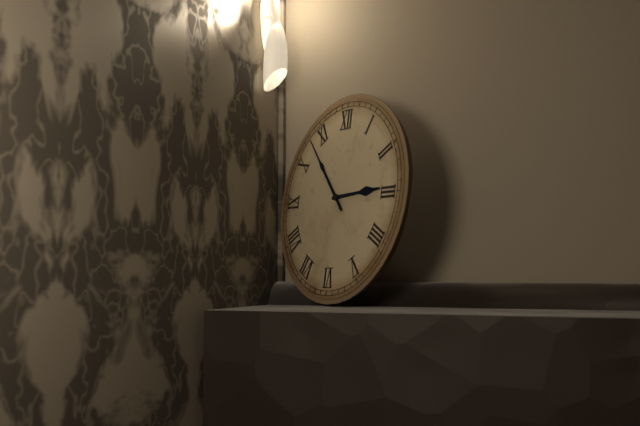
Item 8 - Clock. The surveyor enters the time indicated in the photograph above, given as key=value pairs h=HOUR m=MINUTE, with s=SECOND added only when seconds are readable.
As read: h=2 m=53
